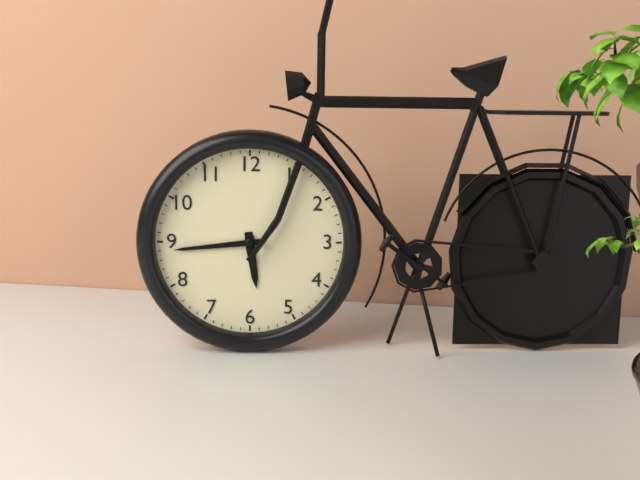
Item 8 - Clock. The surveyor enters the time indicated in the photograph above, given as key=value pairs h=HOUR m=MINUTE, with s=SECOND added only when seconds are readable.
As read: h=5 m=44
